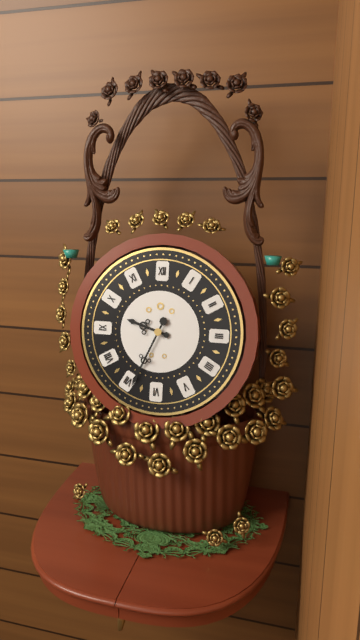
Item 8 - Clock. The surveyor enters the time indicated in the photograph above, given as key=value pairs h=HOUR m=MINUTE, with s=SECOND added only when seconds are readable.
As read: h=9 m=34
